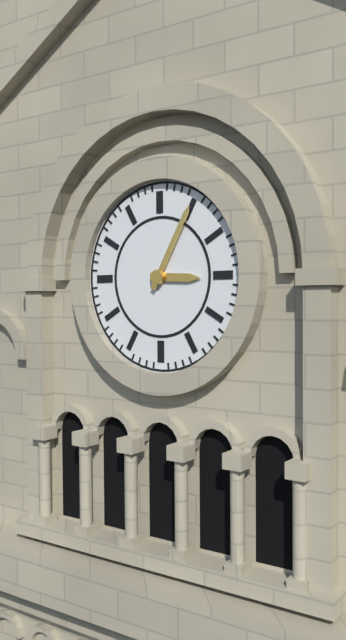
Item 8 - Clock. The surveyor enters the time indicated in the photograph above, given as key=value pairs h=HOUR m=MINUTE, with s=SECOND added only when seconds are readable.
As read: h=3 m=5
